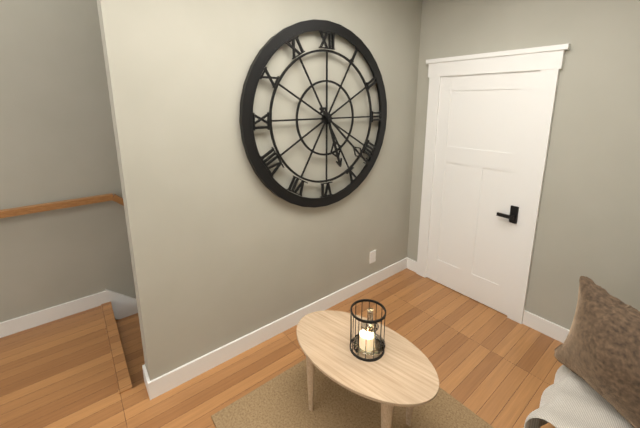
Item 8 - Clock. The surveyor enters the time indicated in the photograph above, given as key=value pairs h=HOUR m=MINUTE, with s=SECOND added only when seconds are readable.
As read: h=5 m=22
